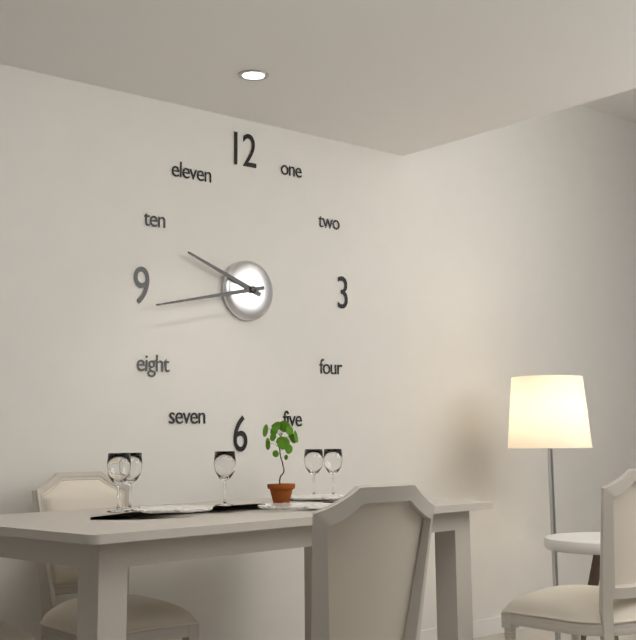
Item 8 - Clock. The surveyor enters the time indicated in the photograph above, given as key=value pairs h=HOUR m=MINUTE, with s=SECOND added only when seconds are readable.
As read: h=9 m=43
